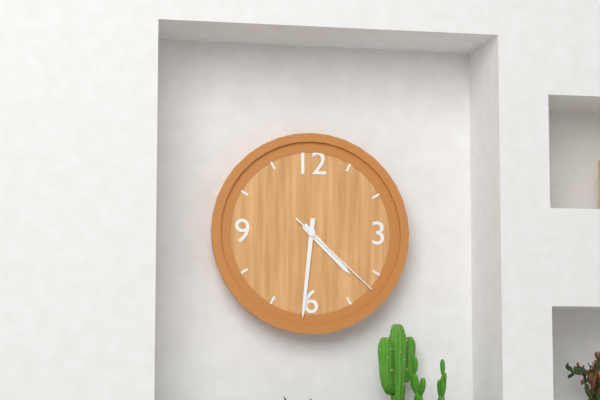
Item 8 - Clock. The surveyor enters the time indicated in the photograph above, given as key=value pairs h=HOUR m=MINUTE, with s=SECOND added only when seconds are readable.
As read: h=4 m=31 s=22
